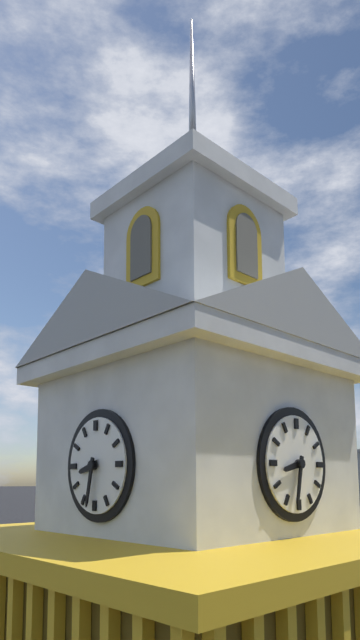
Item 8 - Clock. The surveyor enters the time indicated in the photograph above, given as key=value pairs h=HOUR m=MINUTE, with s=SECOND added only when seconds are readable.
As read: h=8 m=32
